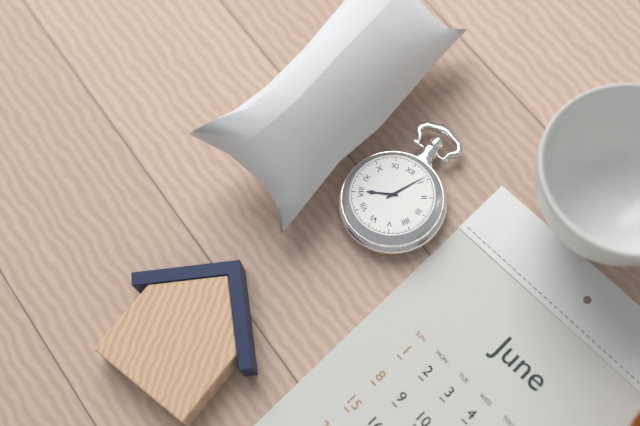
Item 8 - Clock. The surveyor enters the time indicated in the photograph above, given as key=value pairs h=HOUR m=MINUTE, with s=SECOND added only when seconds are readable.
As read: h=8 m=4
